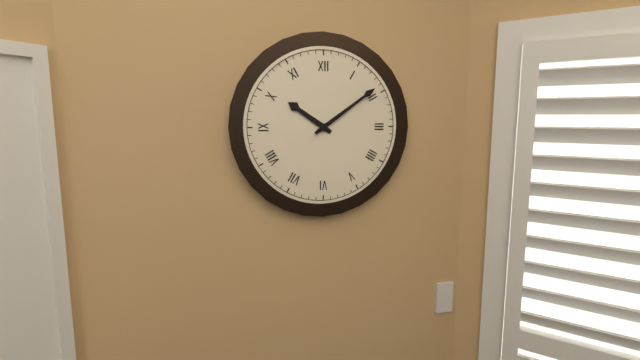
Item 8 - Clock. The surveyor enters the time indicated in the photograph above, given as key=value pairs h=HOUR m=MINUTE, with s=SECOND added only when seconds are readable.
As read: h=10 m=9
